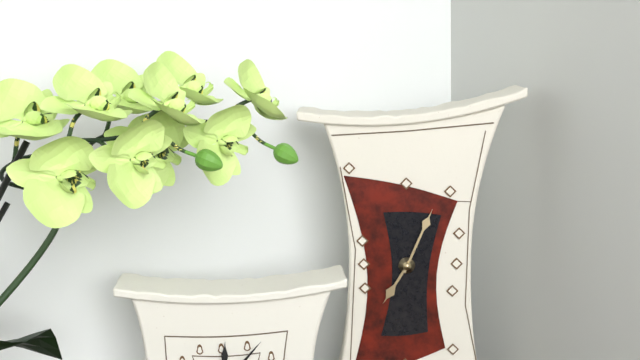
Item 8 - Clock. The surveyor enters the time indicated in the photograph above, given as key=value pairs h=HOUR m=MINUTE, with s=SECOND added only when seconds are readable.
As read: h=7 m=4
